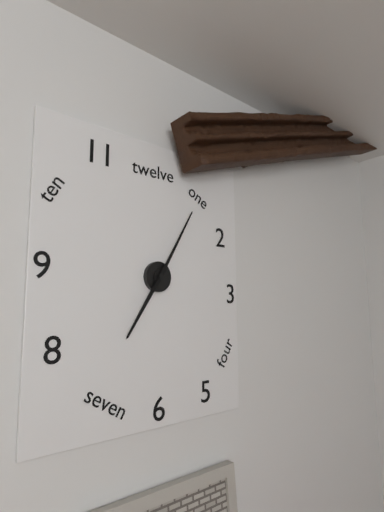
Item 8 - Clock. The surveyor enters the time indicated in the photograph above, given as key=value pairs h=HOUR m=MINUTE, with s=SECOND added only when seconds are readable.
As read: h=7 m=5
